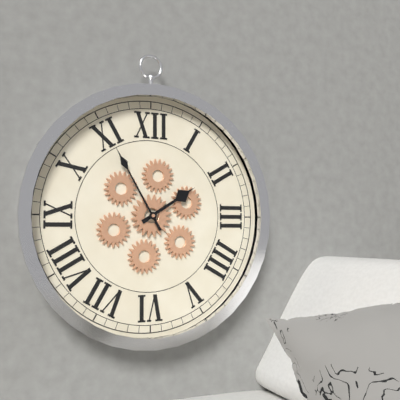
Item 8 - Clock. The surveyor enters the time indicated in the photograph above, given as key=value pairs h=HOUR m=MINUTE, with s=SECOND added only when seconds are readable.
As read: h=1 m=55
